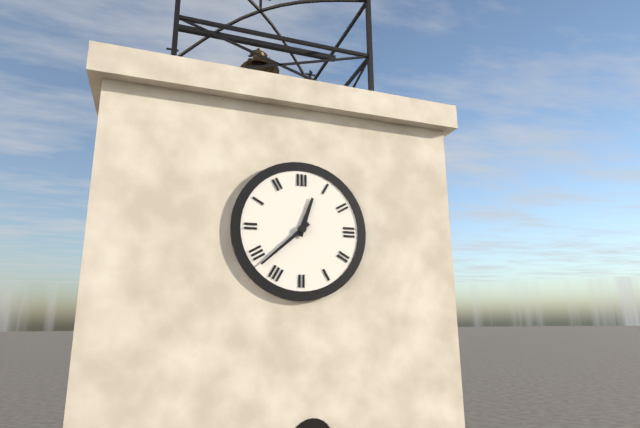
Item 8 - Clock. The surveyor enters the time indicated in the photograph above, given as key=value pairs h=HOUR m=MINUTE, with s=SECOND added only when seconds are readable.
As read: h=12 m=38
